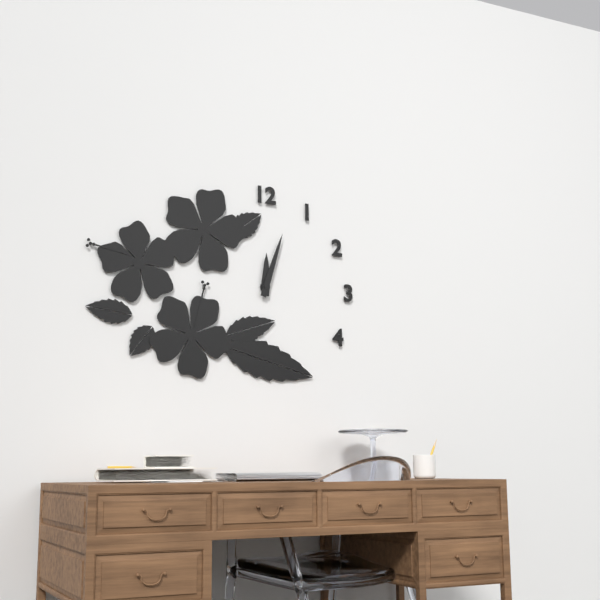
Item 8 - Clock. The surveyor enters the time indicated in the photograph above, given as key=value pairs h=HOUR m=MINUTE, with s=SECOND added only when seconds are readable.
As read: h=12 m=3
